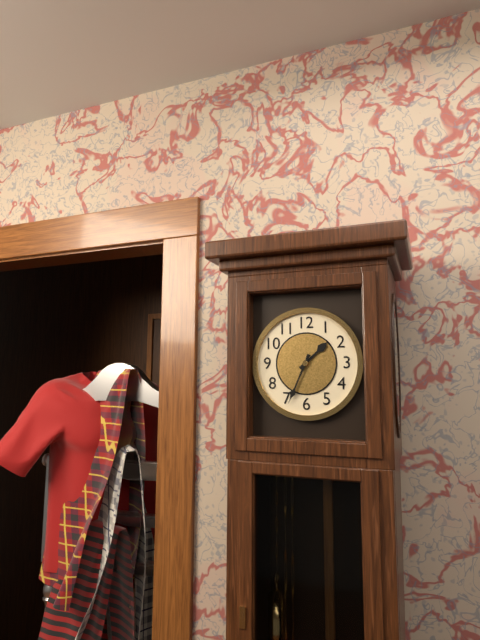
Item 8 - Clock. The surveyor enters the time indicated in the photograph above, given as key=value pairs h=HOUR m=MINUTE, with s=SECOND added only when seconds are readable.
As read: h=1 m=34
